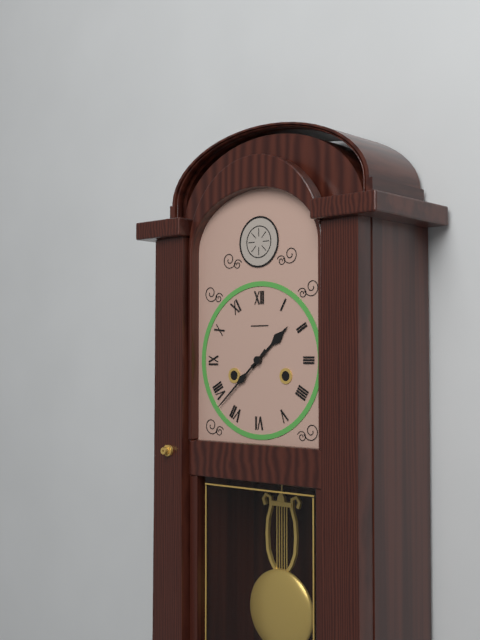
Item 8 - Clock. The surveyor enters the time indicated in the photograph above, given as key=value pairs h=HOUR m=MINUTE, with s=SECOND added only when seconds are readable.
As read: h=1 m=38
